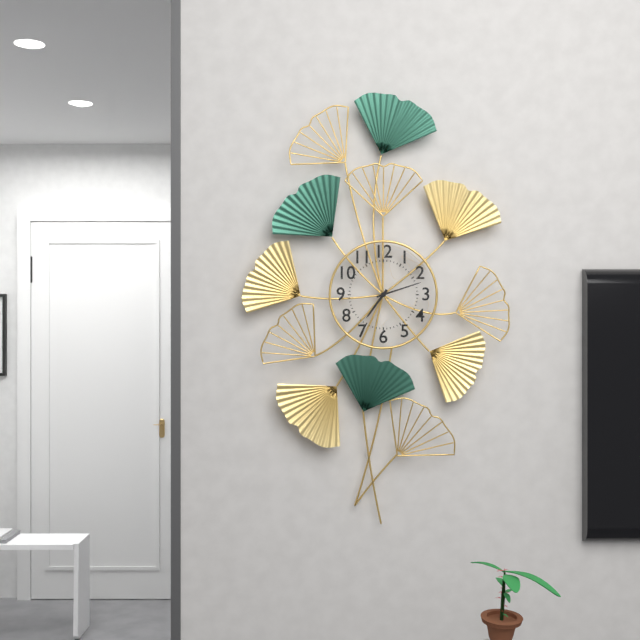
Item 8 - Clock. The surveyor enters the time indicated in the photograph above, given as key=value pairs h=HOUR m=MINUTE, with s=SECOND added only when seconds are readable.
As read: h=7 m=12
